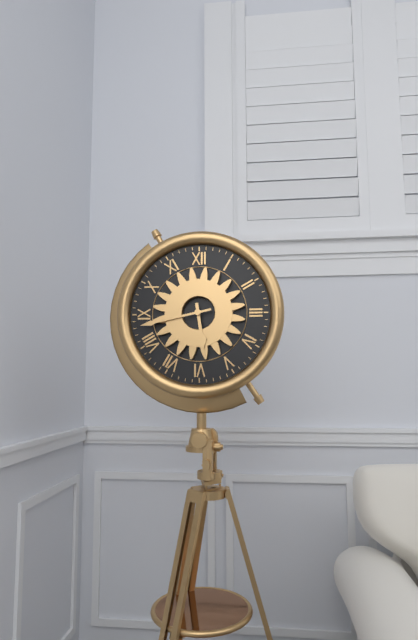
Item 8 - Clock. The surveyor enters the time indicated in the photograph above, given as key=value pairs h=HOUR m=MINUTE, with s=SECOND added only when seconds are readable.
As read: h=5 m=43
